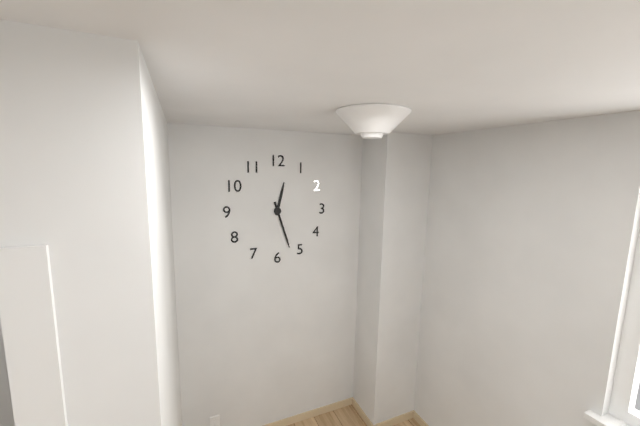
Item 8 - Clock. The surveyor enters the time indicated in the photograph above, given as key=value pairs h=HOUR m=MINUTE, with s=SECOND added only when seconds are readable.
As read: h=12 m=27
